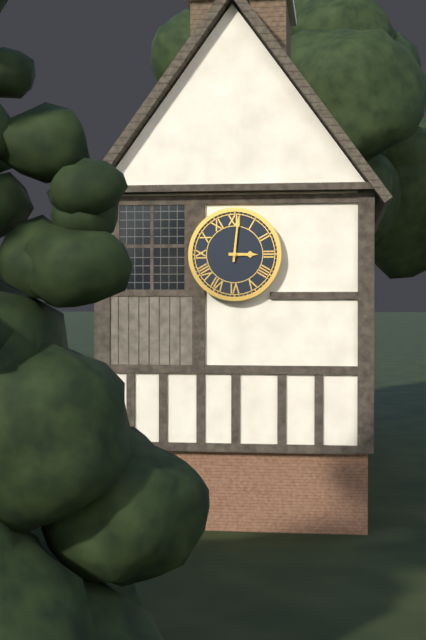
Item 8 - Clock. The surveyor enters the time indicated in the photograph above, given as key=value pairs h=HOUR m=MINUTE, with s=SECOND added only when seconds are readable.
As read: h=3 m=1
